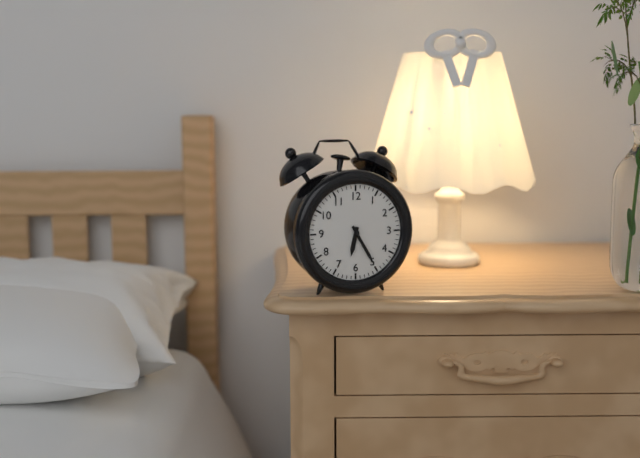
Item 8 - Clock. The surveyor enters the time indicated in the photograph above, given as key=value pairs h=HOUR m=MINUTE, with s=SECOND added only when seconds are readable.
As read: h=6 m=25
